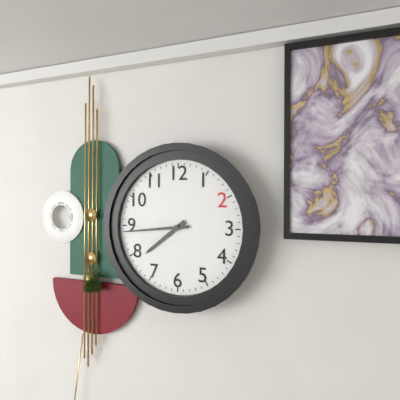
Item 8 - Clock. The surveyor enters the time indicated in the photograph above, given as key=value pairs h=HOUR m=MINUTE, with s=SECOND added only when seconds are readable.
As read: h=7 m=44
